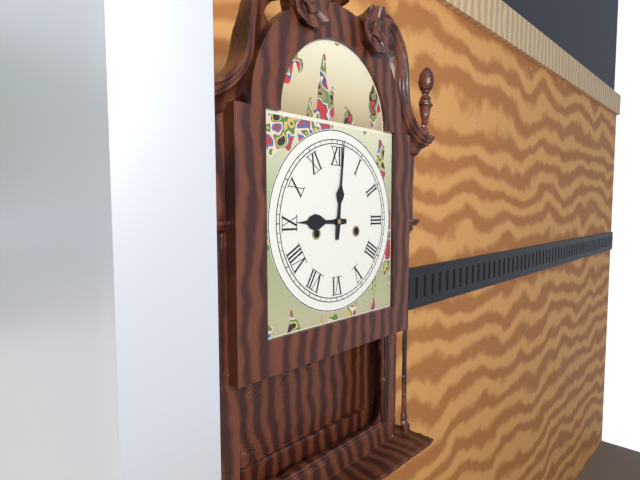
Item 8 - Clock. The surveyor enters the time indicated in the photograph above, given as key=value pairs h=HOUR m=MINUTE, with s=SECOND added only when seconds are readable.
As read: h=9 m=1
